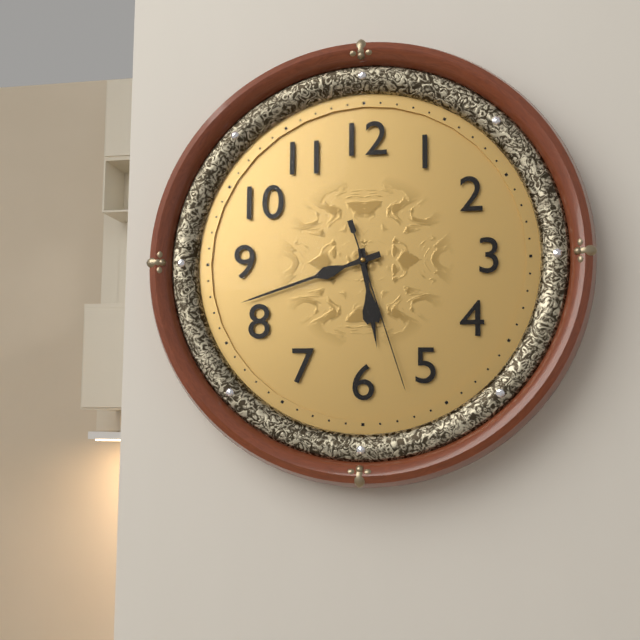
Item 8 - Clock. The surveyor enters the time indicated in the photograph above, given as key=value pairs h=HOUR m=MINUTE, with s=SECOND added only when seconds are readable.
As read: h=5 m=42 s=27
